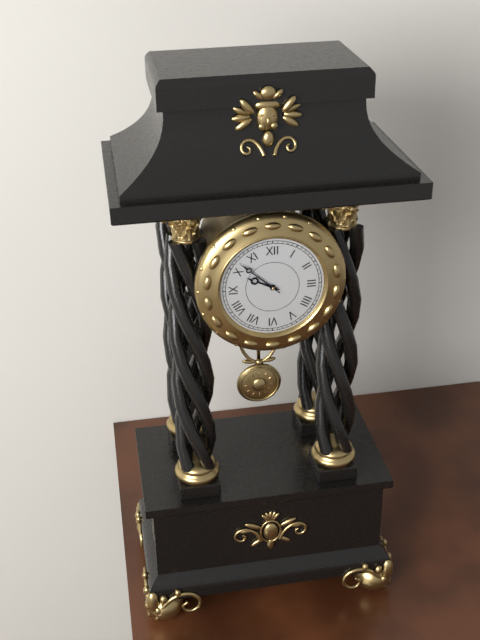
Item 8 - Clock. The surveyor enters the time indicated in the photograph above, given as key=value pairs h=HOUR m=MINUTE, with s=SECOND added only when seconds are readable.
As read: h=9 m=52
